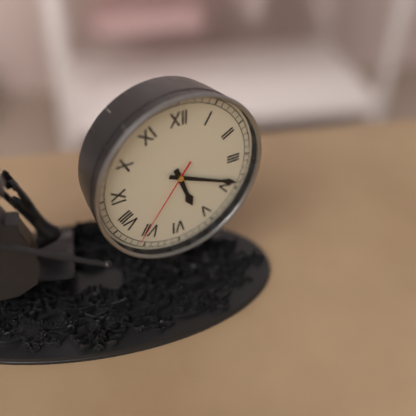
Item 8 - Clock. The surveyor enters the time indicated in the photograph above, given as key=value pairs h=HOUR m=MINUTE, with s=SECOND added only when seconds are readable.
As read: h=5 m=19 s=36
